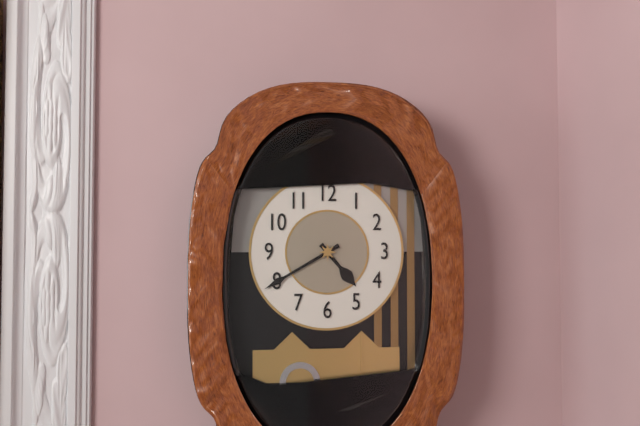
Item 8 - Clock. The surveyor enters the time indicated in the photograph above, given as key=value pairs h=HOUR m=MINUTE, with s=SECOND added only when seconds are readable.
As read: h=4 m=40
